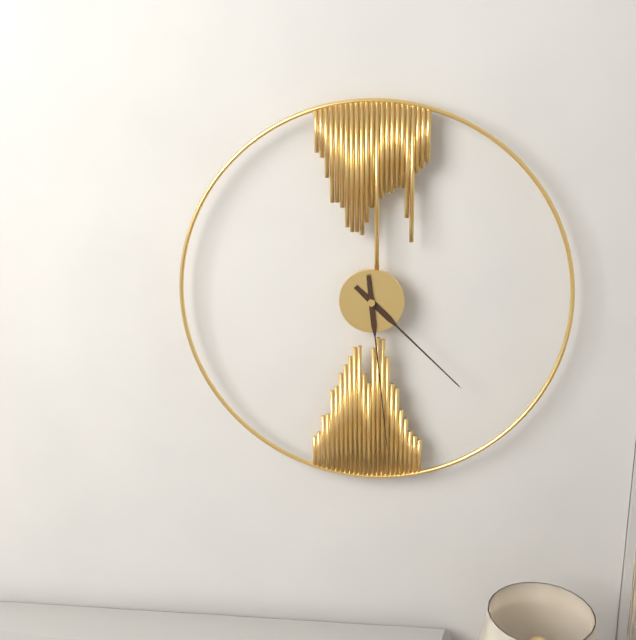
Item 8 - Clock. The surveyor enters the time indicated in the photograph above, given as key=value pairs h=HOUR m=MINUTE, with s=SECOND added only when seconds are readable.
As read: h=4 m=29
